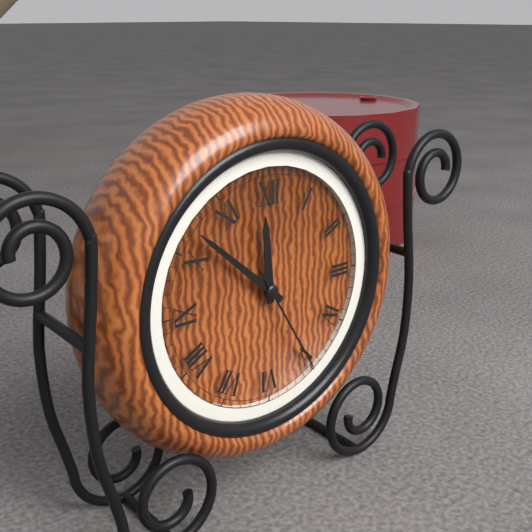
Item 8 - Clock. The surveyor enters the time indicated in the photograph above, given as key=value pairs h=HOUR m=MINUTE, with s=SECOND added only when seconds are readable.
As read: h=11 m=52 s=25
